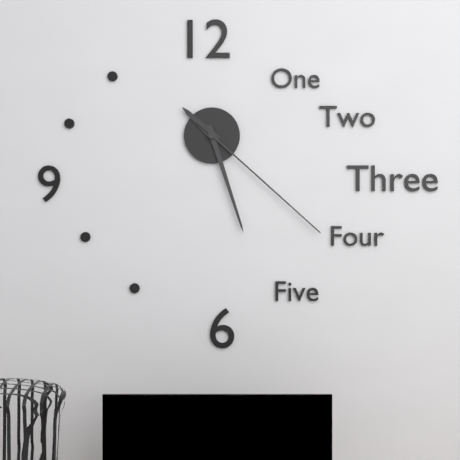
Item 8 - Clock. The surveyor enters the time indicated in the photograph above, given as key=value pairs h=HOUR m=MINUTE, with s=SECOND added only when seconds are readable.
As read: h=10 m=27 s=22
